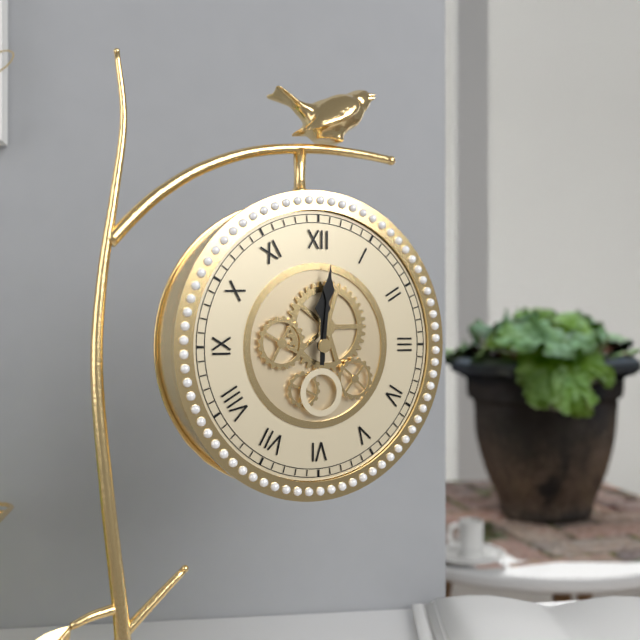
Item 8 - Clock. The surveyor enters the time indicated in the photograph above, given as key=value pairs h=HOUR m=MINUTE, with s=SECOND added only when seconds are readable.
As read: h=12 m=1
